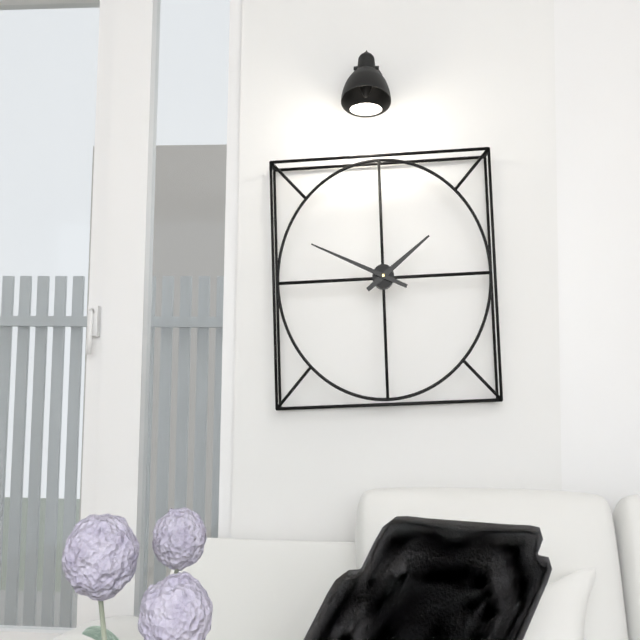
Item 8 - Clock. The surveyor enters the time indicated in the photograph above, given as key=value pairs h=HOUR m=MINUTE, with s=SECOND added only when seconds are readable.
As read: h=1 m=49
